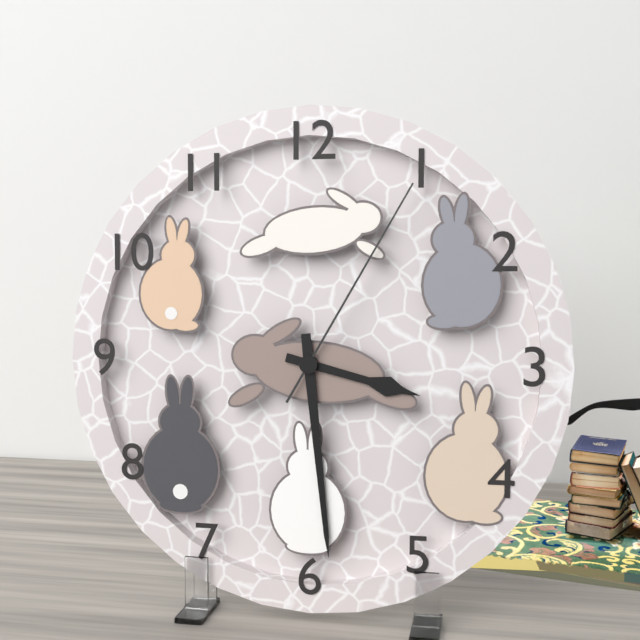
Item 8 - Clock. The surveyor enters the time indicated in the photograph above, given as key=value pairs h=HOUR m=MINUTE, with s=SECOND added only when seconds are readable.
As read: h=3 m=29 s=5
